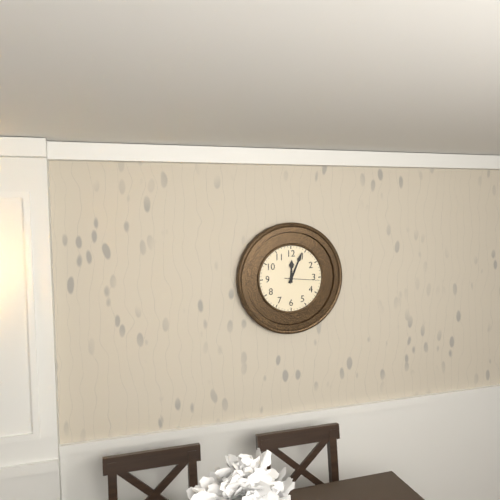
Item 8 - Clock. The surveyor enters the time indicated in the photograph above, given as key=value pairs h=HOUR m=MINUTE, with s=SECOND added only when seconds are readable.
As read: h=12 m=4
